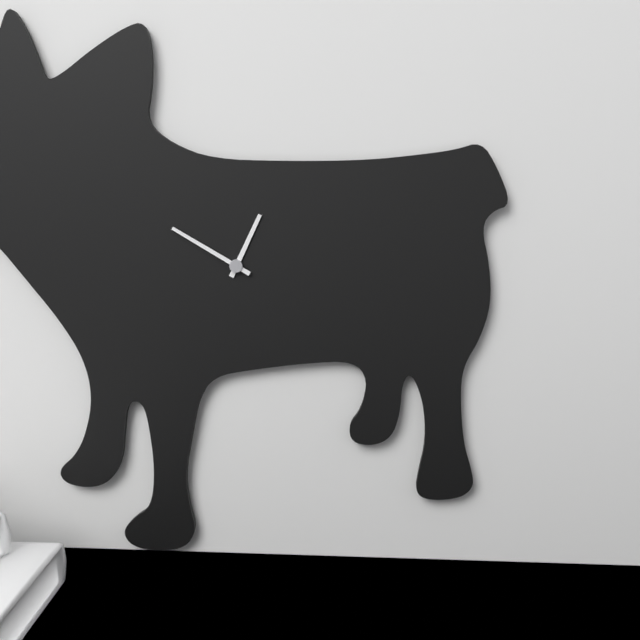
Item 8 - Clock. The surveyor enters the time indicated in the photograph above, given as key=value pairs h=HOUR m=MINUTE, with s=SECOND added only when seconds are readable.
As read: h=12 m=50
